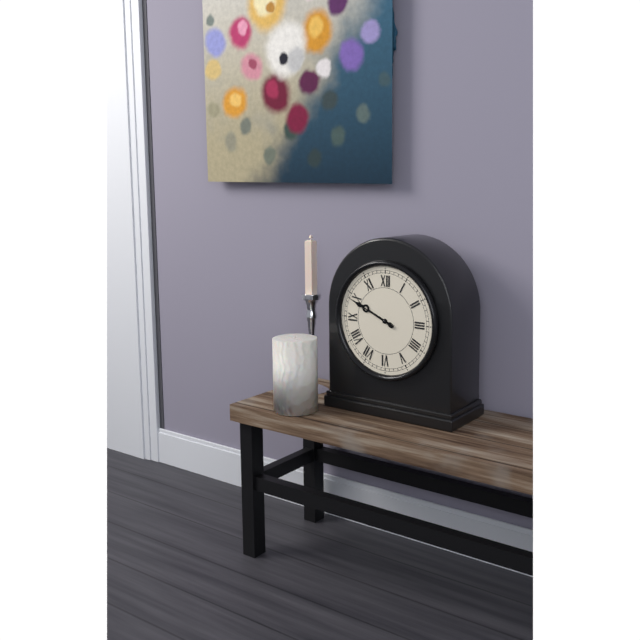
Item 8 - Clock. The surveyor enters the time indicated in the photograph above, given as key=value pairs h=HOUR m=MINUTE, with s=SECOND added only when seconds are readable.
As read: h=9 m=49
